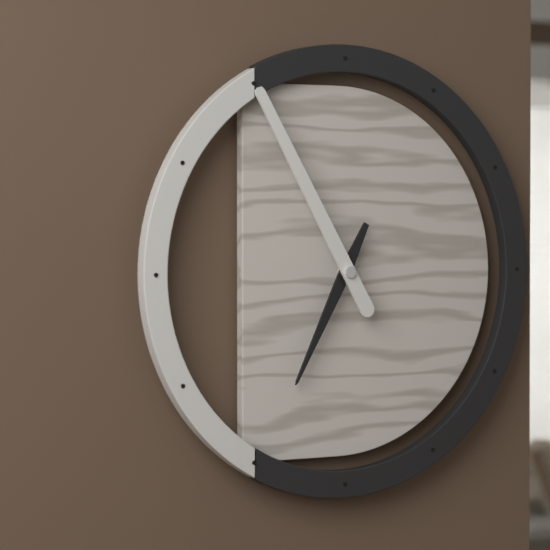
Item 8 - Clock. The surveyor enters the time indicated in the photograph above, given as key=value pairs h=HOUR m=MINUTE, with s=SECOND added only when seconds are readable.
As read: h=6 m=55
